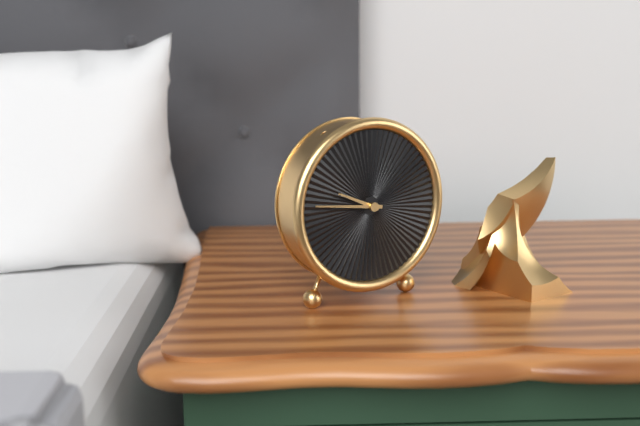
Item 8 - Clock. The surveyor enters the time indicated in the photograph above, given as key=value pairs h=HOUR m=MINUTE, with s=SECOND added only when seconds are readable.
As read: h=9 m=46
